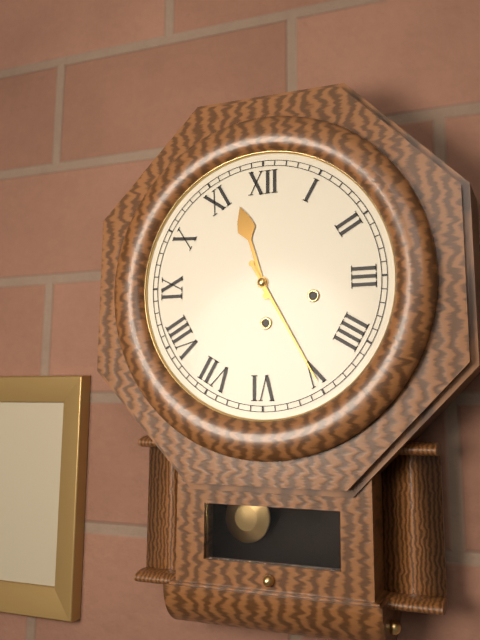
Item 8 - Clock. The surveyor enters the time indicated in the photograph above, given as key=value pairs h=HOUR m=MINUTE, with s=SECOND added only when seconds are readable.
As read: h=11 m=25
